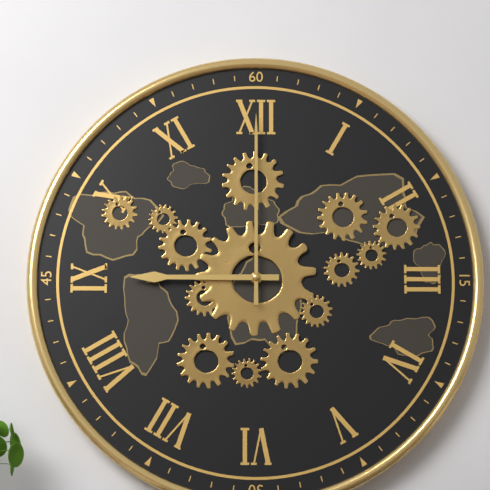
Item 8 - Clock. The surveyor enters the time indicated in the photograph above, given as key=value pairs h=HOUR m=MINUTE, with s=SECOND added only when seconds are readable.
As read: h=9 m=0
